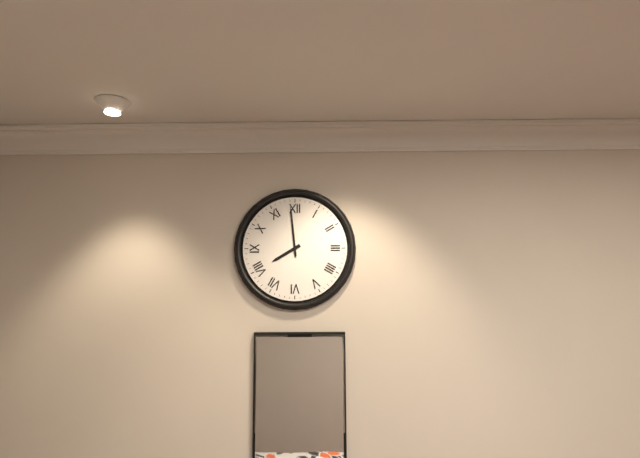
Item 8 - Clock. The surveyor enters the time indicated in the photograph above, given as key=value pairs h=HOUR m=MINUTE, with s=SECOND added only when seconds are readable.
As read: h=7 m=59
